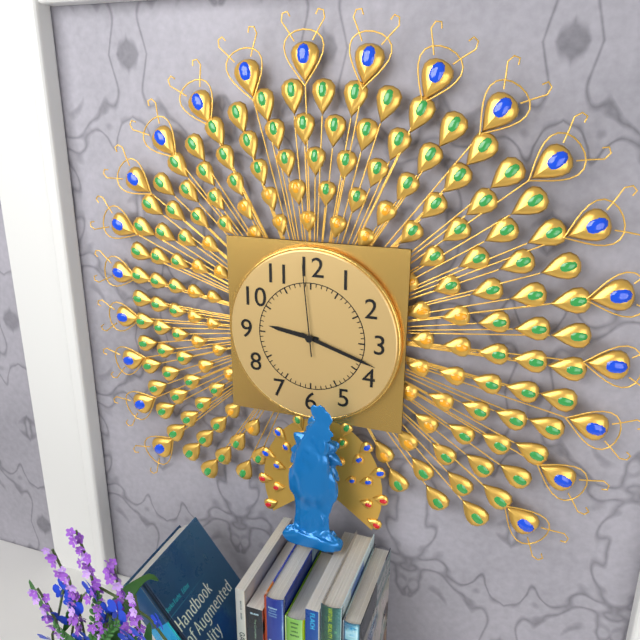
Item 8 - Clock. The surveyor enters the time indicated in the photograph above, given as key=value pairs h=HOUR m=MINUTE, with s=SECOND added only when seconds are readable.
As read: h=9 m=18 s=59
